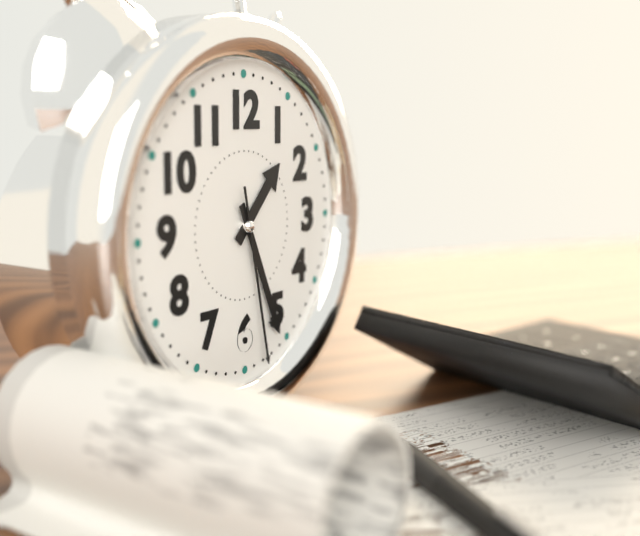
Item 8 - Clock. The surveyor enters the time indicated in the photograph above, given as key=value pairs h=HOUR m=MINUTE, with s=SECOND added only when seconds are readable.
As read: h=1 m=26 s=28
